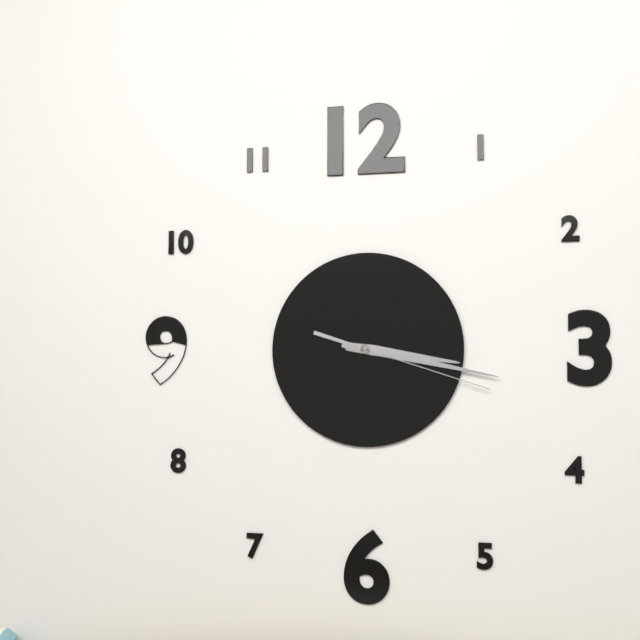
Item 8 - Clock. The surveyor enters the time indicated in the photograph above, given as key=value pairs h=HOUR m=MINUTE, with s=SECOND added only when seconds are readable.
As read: h=3 m=17 s=18
